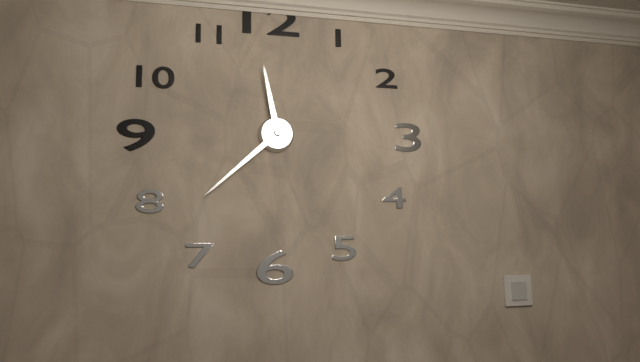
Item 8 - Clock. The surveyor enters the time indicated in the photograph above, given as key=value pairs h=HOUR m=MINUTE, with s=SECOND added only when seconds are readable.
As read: h=11 m=38
